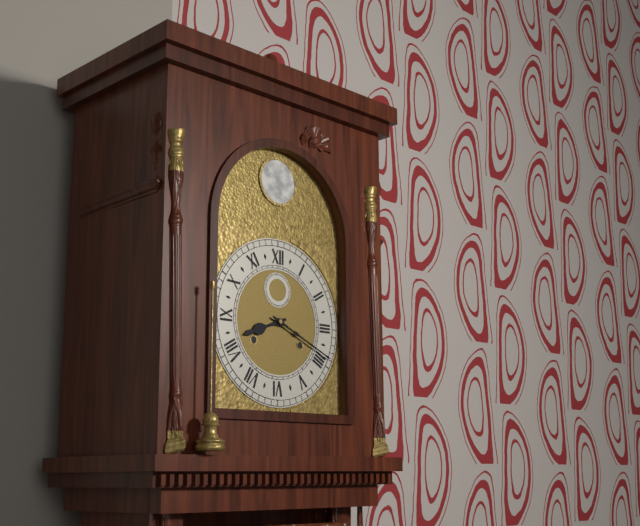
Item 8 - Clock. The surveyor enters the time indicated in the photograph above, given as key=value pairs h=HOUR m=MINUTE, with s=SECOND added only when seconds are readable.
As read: h=8 m=19
